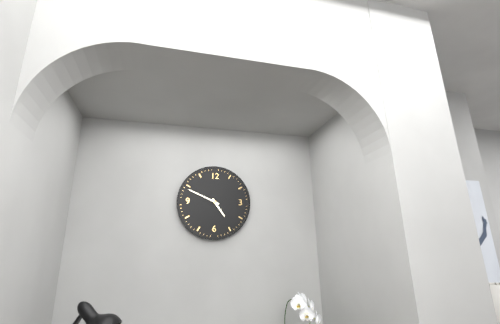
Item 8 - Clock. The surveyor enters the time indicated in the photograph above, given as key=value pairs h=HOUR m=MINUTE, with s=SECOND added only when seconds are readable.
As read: h=4 m=49
